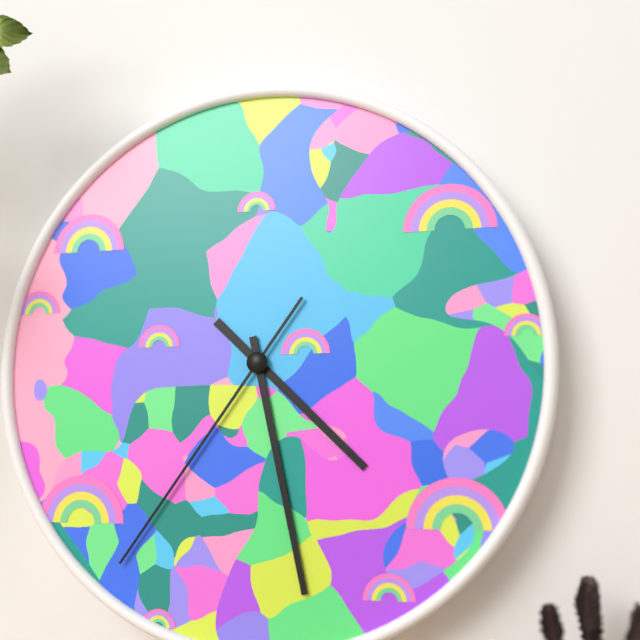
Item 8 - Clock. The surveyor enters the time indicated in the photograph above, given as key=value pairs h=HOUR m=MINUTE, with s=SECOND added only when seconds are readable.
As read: h=4 m=28 s=36
